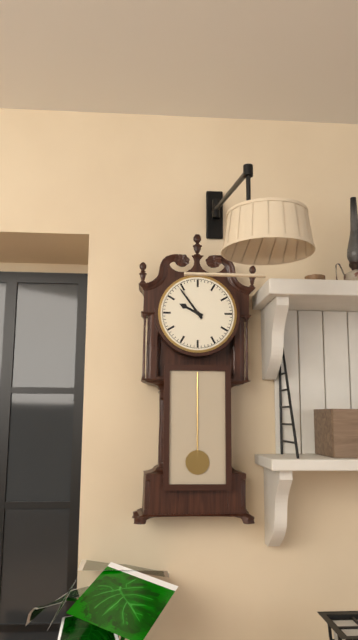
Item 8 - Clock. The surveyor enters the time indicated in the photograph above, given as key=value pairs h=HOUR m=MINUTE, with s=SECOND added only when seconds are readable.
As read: h=9 m=54
